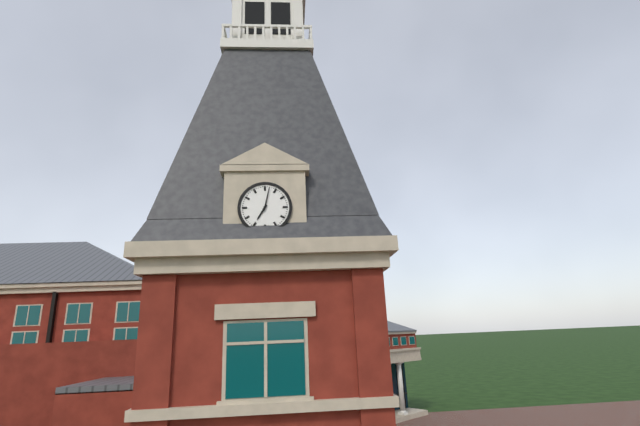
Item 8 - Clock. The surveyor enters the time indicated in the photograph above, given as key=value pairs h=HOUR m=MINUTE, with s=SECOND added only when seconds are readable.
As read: h=7 m=2
